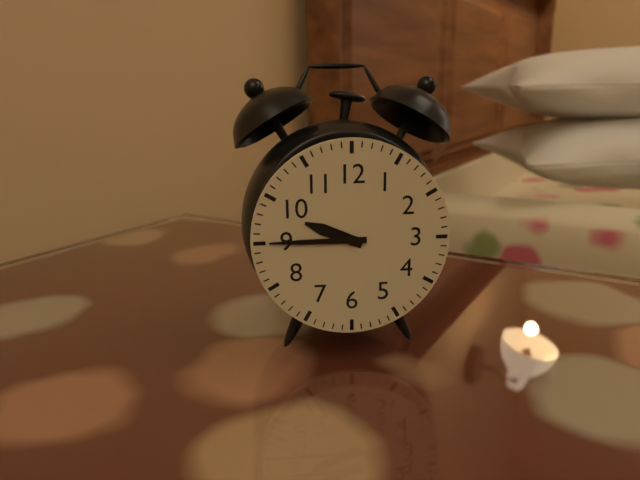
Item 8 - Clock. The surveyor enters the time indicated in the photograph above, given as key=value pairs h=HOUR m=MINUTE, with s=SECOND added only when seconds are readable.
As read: h=9 m=45
